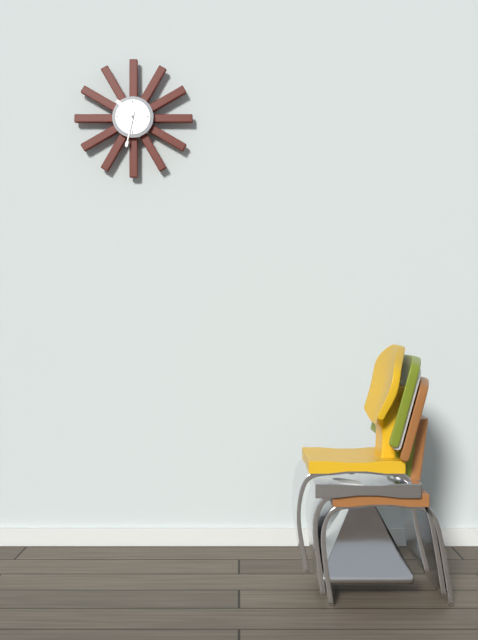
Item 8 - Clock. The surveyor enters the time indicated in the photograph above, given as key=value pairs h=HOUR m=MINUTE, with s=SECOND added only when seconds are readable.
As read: h=10 m=32
